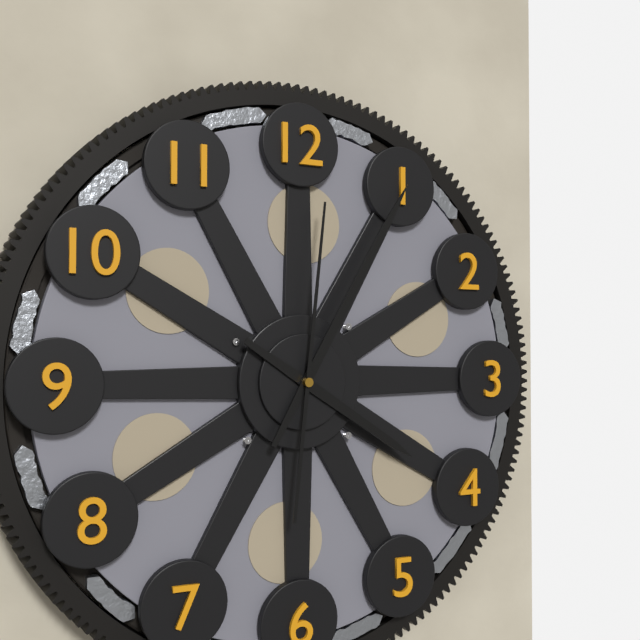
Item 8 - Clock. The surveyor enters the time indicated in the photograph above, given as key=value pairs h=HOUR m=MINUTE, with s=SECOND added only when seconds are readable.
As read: h=4 m=5 s=1
